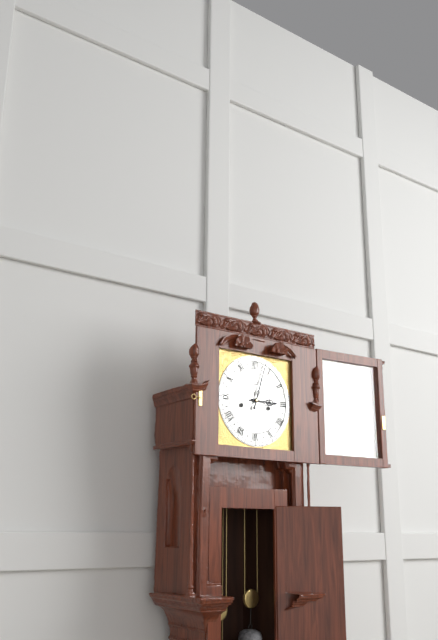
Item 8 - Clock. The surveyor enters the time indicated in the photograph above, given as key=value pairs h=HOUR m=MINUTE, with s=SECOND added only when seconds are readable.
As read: h=3 m=3
